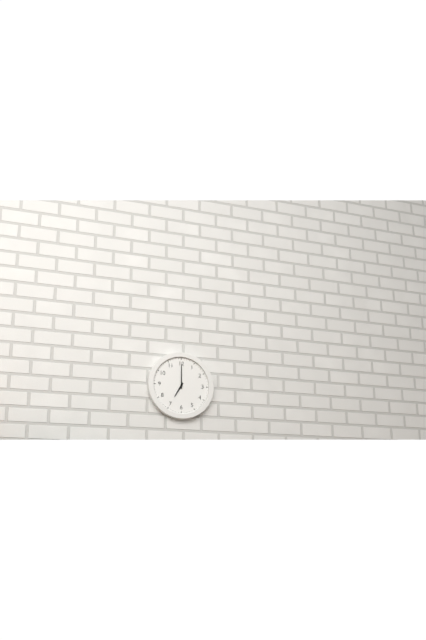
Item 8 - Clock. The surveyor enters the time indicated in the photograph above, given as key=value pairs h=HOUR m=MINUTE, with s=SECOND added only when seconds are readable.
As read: h=7 m=0
